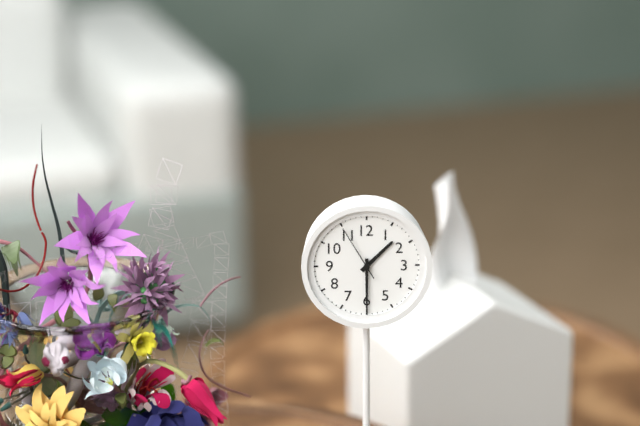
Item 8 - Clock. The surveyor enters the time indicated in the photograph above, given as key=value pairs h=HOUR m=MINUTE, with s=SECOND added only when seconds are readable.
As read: h=1 m=30 s=55
